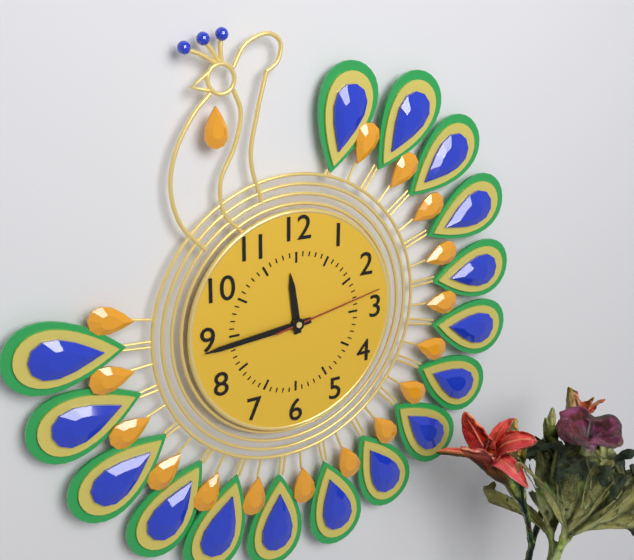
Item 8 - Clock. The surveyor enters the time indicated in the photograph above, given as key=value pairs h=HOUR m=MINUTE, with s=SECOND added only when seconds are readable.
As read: h=11 m=44 s=13
